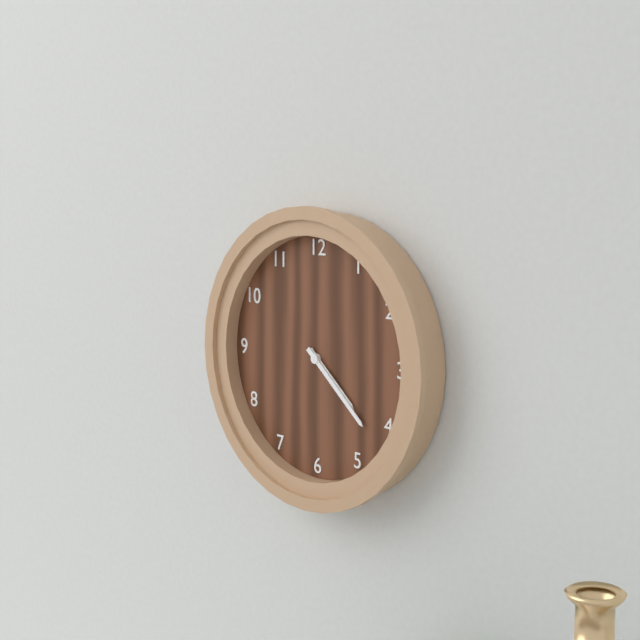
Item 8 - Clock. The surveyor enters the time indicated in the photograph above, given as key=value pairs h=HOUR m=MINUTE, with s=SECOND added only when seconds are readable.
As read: h=4 m=22
